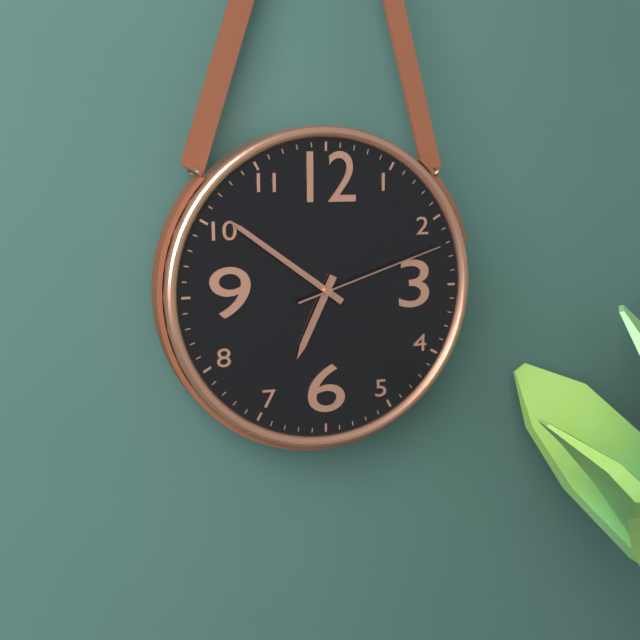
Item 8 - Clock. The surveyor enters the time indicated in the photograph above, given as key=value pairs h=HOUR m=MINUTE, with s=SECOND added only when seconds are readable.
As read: h=6 m=51 s=12
